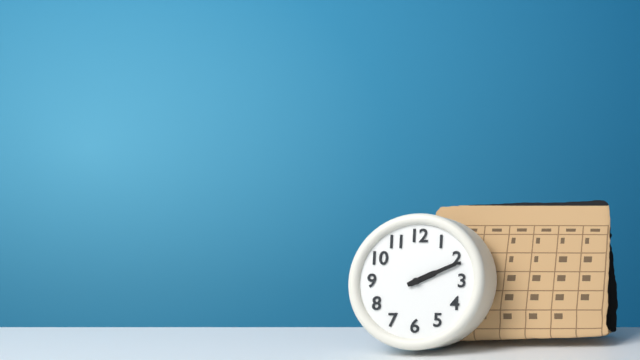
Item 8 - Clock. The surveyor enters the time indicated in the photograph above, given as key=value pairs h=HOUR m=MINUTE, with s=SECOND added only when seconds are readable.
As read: h=2 m=11
